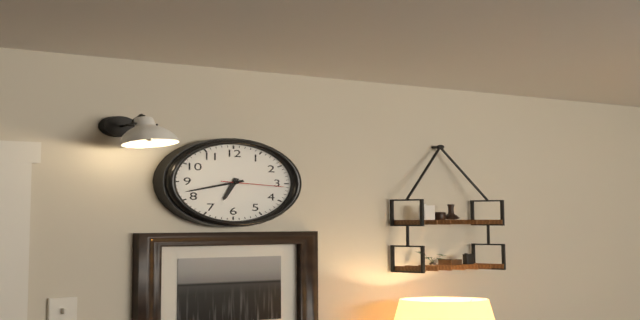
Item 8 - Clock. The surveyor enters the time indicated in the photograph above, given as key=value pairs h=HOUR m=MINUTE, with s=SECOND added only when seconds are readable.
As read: h=6 m=42 s=16
